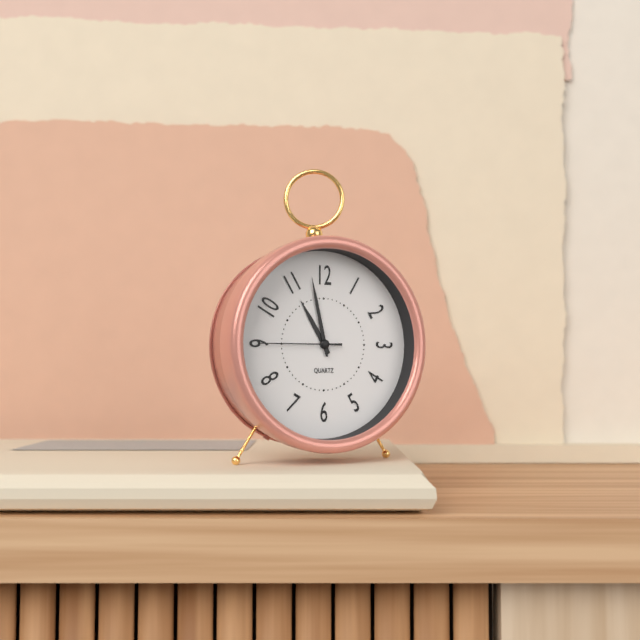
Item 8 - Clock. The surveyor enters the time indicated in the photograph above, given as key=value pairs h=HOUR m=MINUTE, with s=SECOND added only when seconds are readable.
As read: h=10 m=58 s=45
